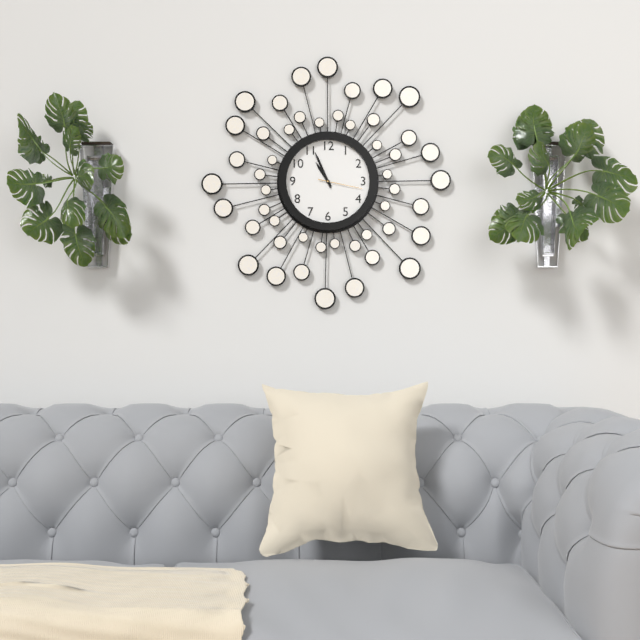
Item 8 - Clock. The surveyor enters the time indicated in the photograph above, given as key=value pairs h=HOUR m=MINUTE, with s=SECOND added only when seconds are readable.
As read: h=10 m=56
